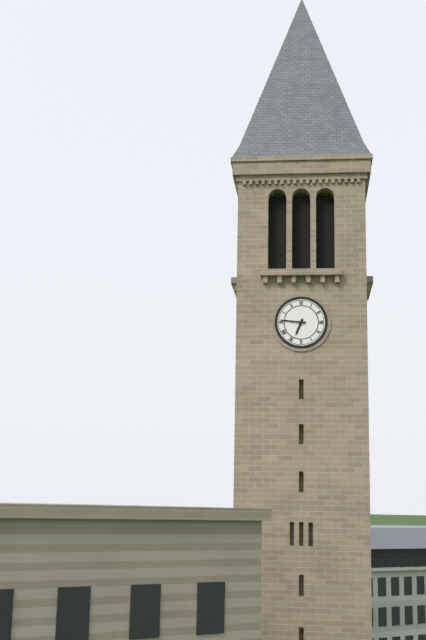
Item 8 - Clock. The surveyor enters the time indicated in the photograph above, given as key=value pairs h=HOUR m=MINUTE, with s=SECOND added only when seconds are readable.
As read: h=6 m=46
